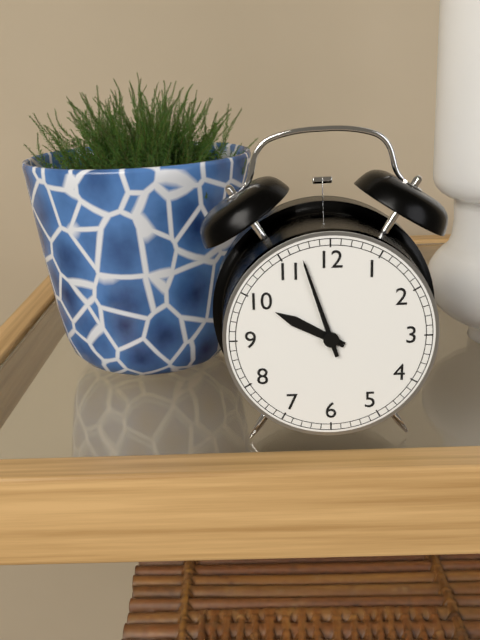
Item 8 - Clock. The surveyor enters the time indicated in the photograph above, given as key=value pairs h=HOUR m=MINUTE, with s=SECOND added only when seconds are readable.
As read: h=9 m=57
